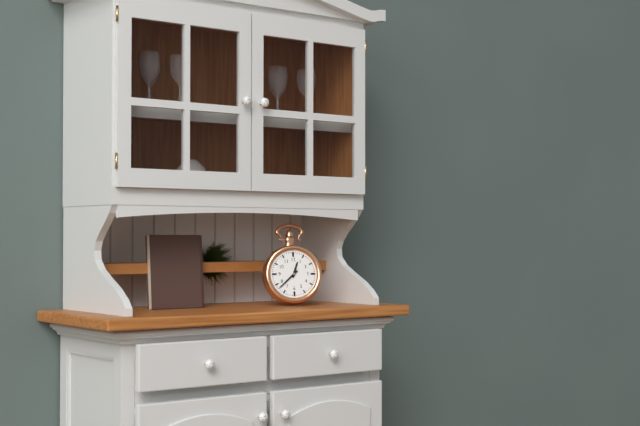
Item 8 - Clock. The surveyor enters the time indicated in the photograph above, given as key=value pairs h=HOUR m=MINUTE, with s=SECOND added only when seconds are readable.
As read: h=12 m=38
